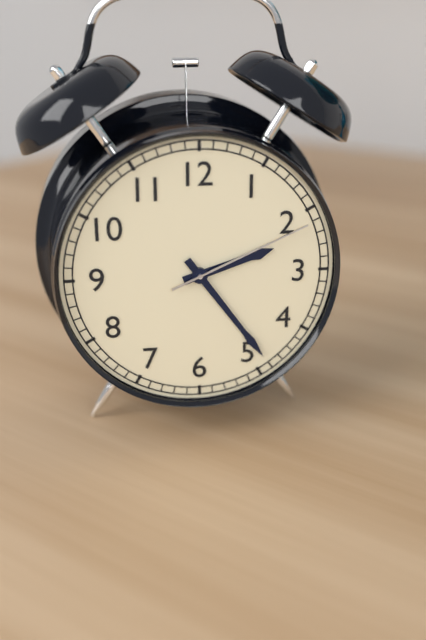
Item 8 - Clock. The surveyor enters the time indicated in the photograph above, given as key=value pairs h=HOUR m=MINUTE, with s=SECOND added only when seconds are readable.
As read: h=2 m=24 s=11
